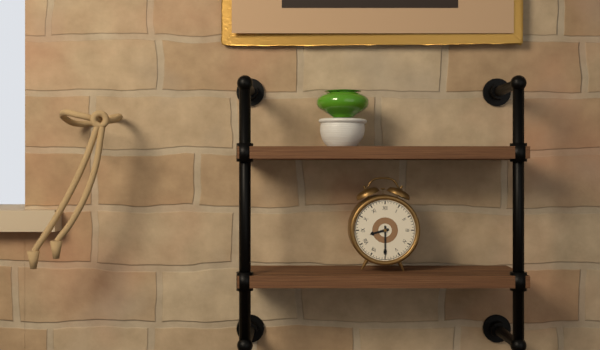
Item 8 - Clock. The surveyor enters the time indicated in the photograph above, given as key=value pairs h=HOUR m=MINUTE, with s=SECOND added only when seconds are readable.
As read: h=8 m=30
